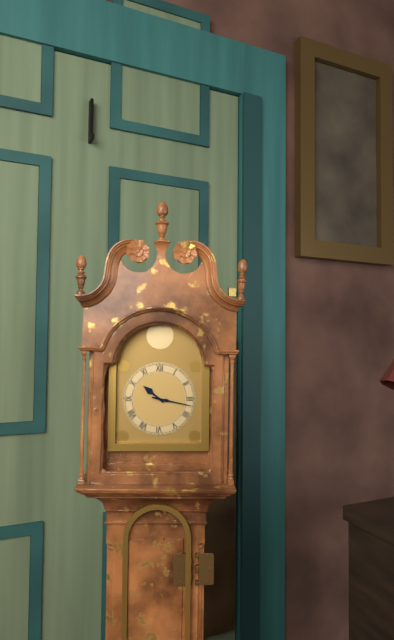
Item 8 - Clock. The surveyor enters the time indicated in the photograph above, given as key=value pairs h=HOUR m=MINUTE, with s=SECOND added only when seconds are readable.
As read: h=10 m=17
